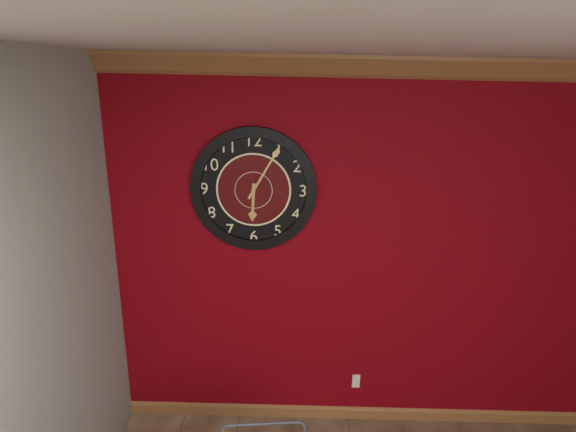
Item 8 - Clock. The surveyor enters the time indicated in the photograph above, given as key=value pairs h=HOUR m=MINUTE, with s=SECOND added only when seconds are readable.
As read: h=6 m=5
